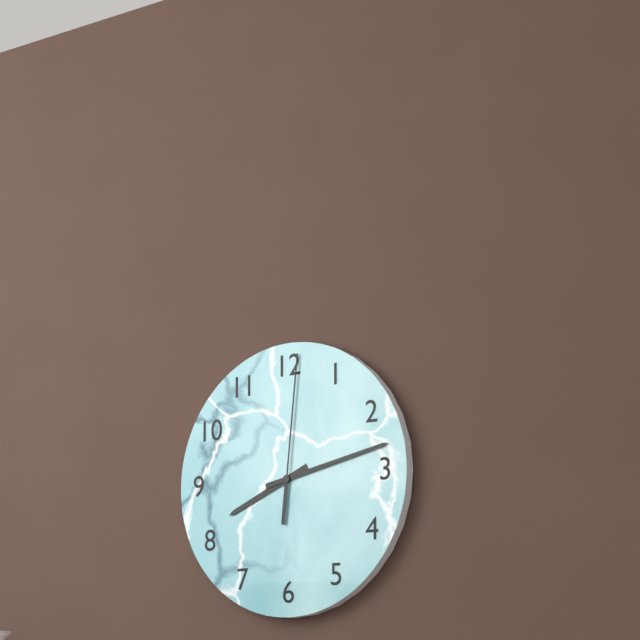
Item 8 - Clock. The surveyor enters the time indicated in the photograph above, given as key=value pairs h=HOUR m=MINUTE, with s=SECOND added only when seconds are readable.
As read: h=8 m=13 s=1
